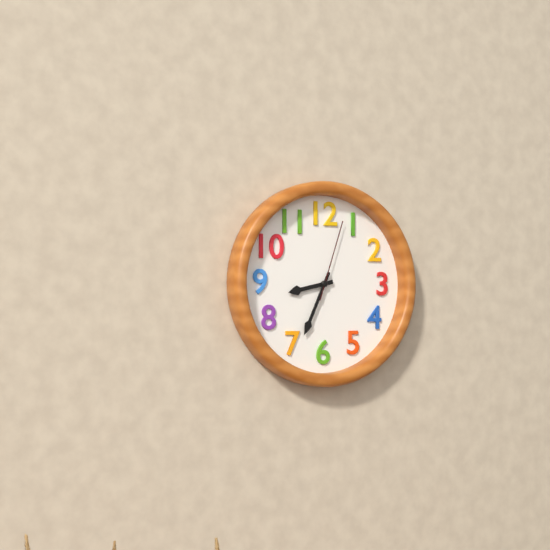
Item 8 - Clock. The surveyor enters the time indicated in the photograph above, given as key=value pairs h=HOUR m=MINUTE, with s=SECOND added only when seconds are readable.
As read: h=8 m=34 s=3
